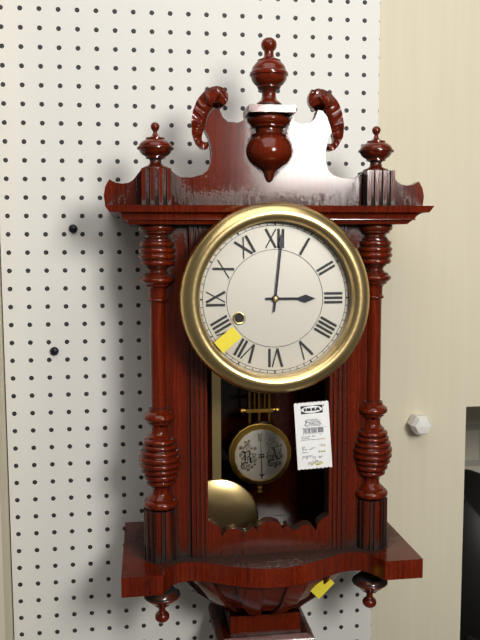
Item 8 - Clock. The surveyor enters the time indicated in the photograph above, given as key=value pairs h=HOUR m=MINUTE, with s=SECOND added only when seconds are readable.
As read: h=3 m=1
